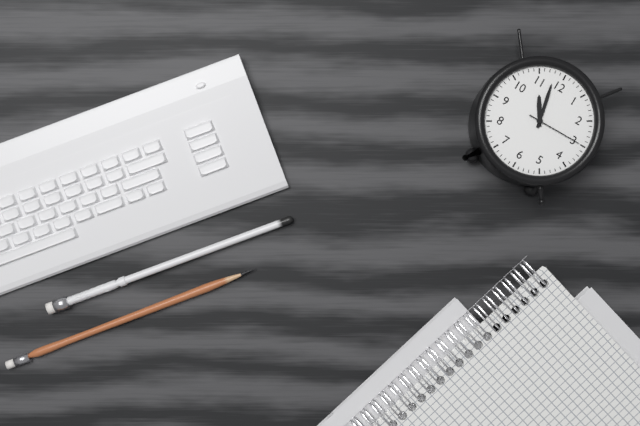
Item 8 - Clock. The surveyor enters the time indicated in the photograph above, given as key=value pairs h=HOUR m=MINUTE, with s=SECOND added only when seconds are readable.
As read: h=10 m=58 s=15
